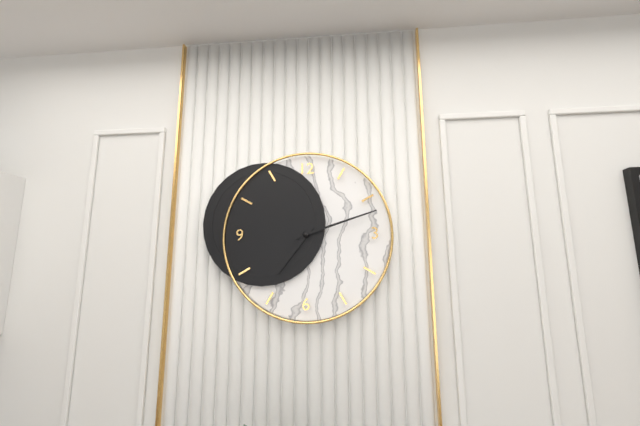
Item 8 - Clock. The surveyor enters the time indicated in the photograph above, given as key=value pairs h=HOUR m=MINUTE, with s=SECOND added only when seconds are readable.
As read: h=7 m=12
